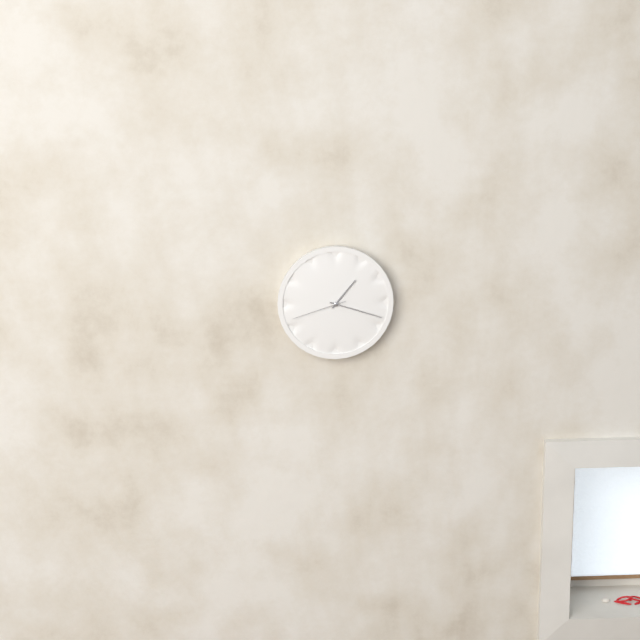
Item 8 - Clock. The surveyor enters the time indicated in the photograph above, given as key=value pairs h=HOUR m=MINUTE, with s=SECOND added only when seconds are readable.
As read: h=1 m=18 s=42
